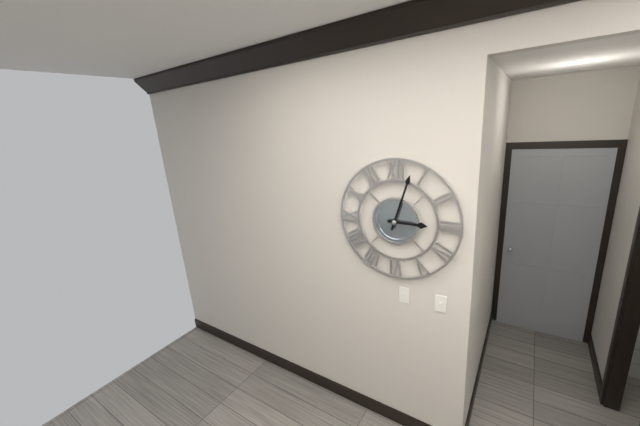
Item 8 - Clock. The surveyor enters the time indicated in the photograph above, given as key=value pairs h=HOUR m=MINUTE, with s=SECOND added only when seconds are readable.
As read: h=3 m=3
